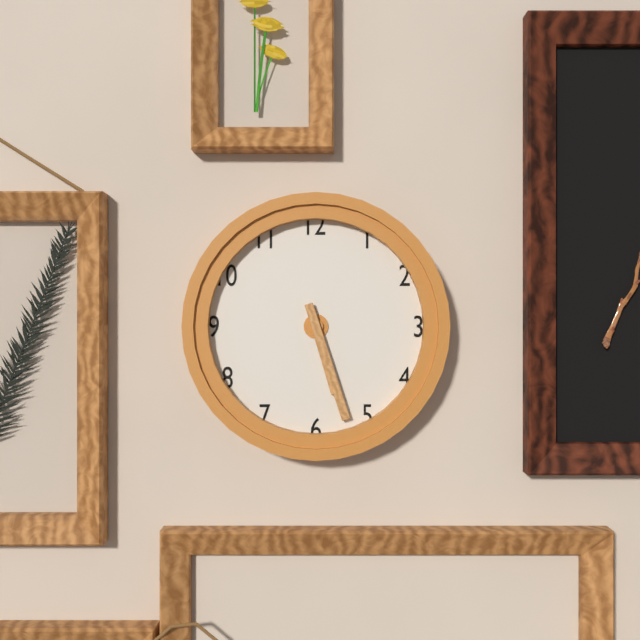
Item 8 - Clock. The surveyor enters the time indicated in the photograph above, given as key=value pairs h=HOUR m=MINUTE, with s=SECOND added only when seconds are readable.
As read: h=5 m=27
